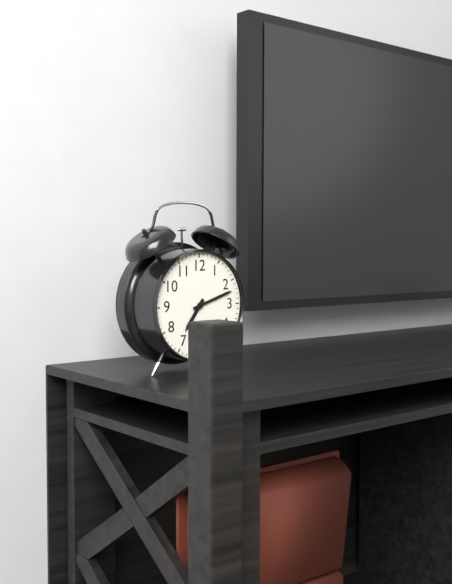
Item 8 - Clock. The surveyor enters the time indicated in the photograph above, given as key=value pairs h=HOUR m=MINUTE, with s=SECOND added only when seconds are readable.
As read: h=7 m=12
